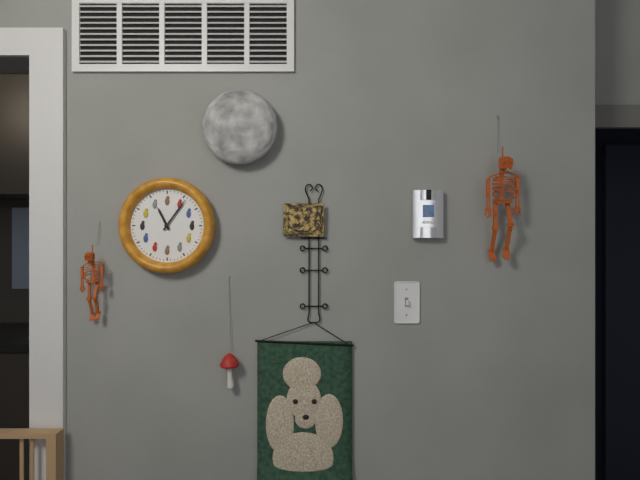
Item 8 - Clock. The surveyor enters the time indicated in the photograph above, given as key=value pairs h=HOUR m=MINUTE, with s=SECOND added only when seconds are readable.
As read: h=11 m=6
